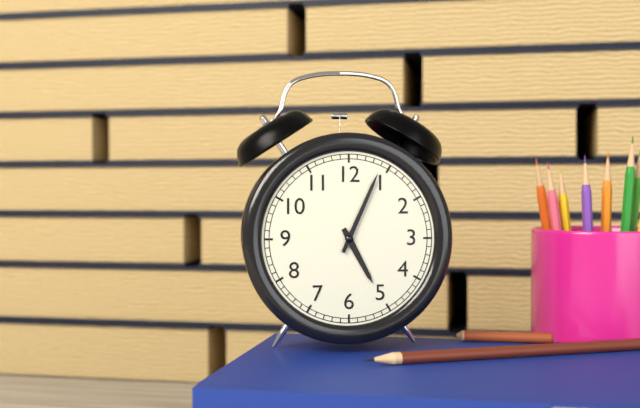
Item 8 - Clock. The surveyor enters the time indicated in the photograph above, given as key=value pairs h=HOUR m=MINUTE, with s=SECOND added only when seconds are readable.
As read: h=5 m=4
